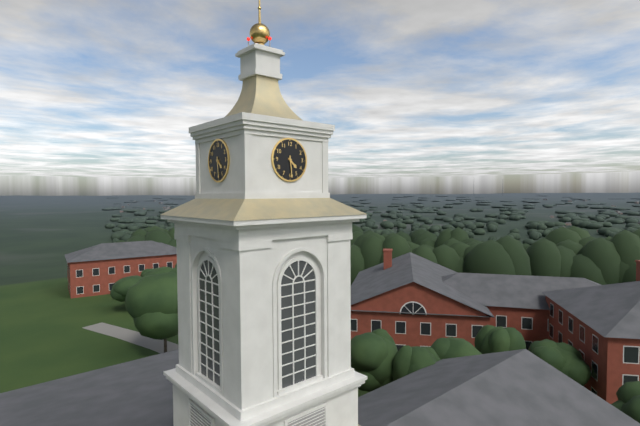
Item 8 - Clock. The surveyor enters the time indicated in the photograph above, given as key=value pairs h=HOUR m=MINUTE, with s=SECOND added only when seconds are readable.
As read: h=4 m=29
